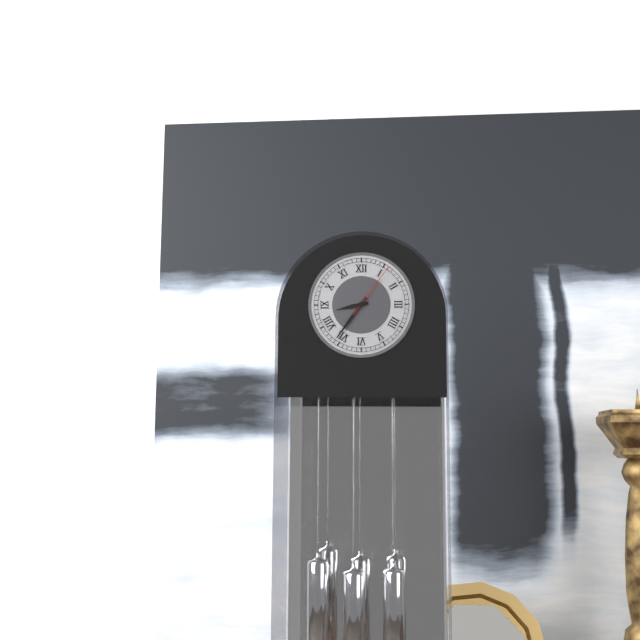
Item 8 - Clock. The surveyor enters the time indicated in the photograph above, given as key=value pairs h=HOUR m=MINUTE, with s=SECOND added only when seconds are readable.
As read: h=8 m=36 s=6
